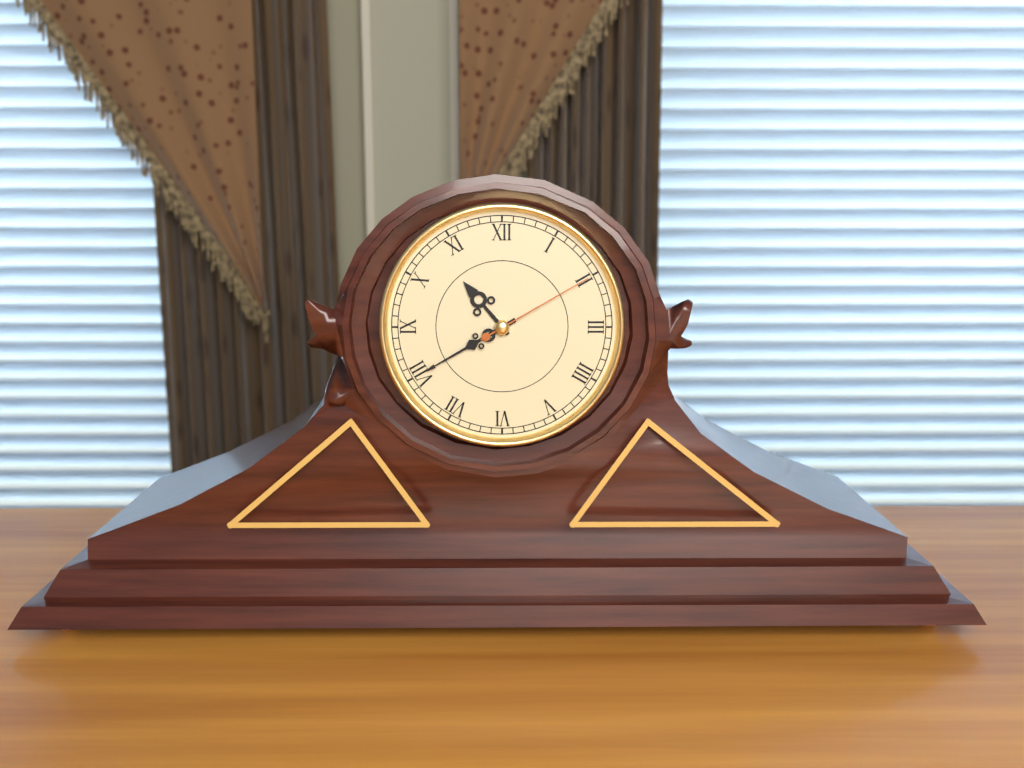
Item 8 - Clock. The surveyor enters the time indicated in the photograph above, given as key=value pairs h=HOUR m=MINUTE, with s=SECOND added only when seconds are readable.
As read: h=10 m=40 s=10
